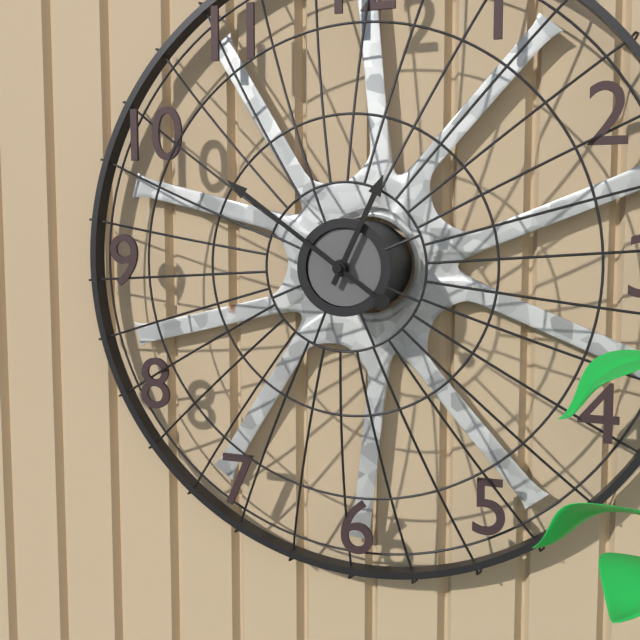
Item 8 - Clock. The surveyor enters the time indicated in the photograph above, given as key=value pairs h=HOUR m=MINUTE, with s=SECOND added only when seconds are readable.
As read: h=12 m=51
